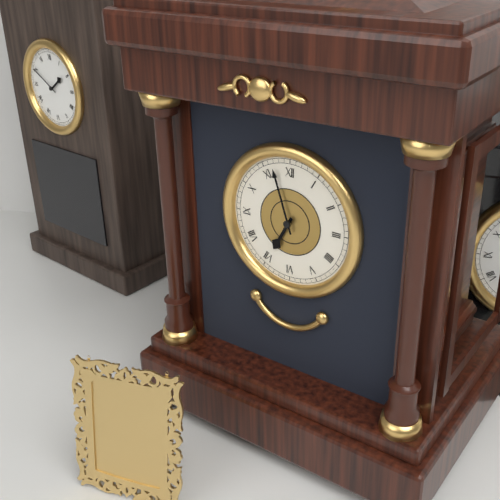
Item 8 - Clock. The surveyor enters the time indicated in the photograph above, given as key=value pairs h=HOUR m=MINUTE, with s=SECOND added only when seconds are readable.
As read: h=6 m=57
